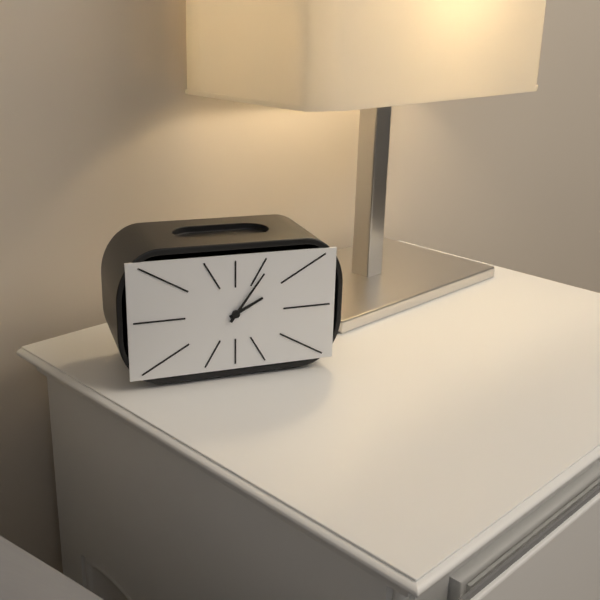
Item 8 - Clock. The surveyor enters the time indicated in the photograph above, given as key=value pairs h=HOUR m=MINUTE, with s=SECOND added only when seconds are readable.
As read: h=2 m=6
